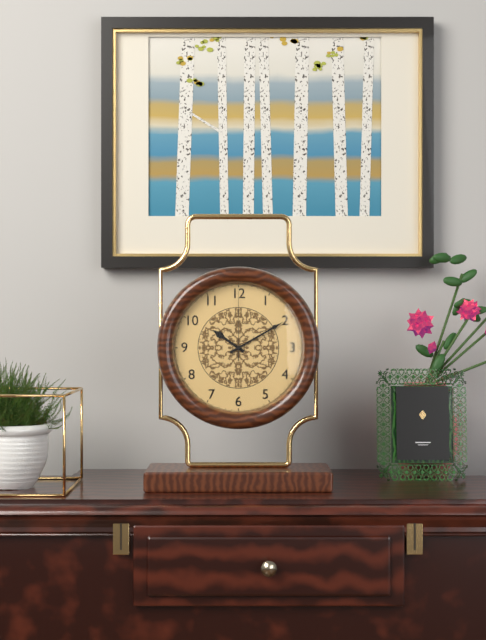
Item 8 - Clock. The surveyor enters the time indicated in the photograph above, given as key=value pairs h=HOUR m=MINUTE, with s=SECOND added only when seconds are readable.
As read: h=10 m=10 s=0
